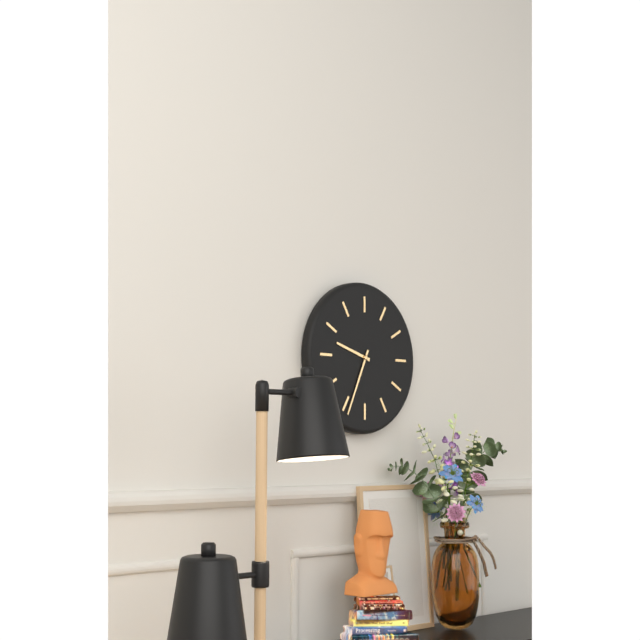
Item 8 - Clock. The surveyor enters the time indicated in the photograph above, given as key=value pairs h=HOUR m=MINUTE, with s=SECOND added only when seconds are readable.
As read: h=9 m=34
